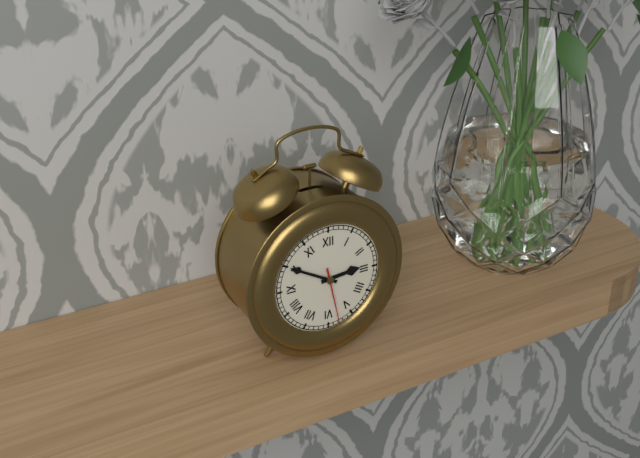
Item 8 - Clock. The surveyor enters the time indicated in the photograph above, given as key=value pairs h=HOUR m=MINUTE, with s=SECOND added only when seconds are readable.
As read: h=2 m=50 s=28
